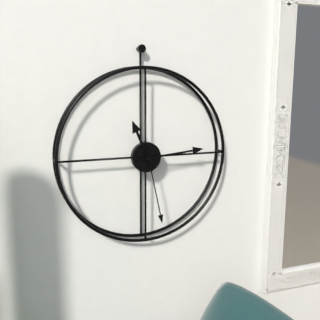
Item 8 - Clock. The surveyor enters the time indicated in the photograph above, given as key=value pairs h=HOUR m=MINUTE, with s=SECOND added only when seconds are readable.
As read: h=11 m=14 s=28
